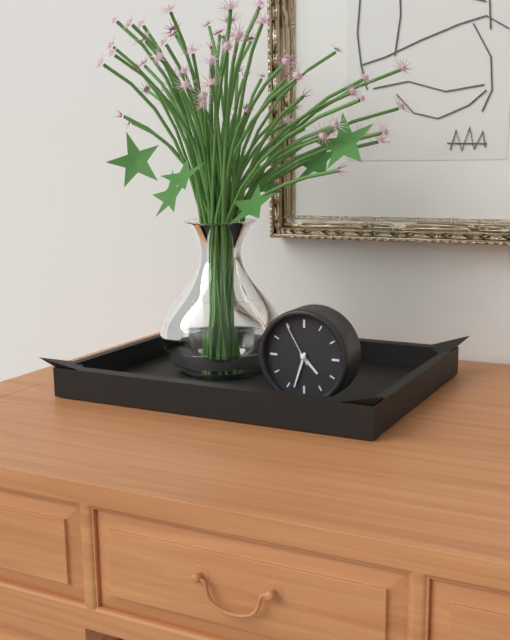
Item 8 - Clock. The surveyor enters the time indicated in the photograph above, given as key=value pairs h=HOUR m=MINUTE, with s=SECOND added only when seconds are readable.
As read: h=4 m=33
